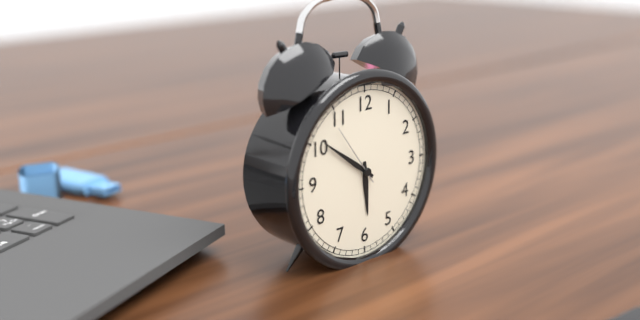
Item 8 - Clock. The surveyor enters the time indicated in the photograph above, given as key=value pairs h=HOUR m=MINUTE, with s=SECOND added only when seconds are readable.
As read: h=5 m=51 s=54
